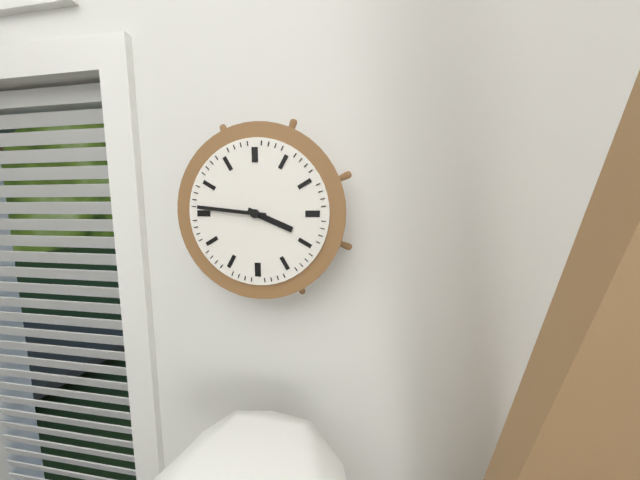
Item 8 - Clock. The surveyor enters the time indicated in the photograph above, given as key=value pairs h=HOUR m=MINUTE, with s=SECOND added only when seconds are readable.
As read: h=3 m=46
